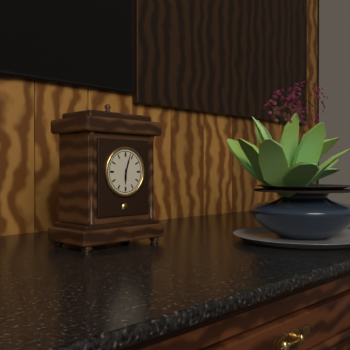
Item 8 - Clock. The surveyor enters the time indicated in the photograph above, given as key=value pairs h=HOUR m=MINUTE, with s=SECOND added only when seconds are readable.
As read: h=6 m=3
